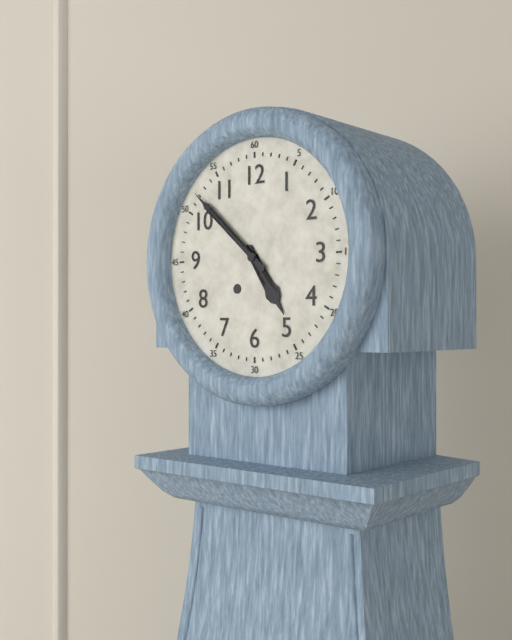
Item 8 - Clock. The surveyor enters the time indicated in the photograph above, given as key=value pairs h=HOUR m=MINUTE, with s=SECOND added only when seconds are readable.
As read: h=4 m=52
